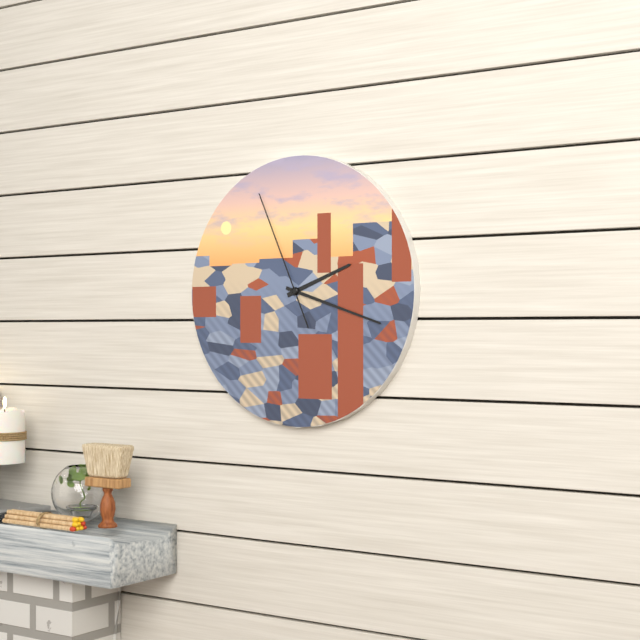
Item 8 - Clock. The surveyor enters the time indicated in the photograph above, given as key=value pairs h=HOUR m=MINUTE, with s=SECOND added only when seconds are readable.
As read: h=2 m=18 s=56
